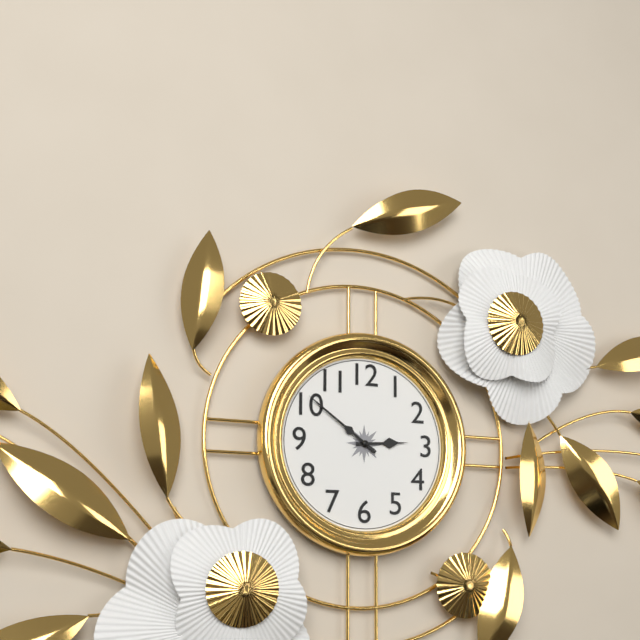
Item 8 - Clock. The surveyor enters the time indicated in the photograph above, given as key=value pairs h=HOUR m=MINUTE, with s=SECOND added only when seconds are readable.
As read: h=2 m=51
